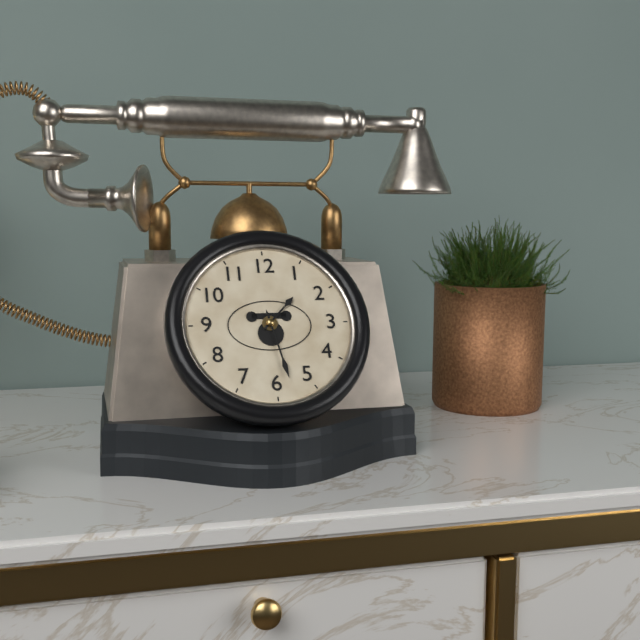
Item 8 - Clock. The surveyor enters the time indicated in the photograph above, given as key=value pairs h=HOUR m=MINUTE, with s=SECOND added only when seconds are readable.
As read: h=1 m=28
